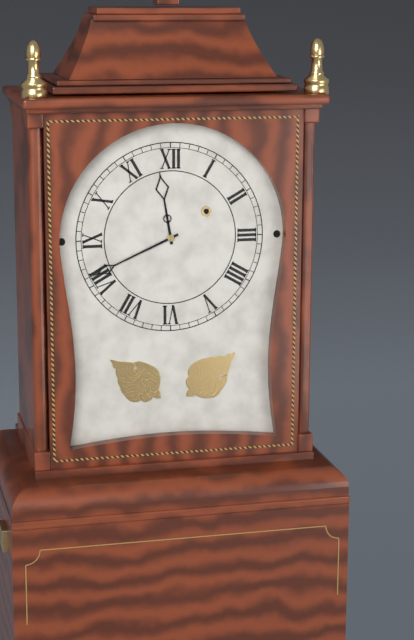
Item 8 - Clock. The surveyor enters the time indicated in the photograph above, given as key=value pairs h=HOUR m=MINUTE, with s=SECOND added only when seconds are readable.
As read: h=11 m=41
